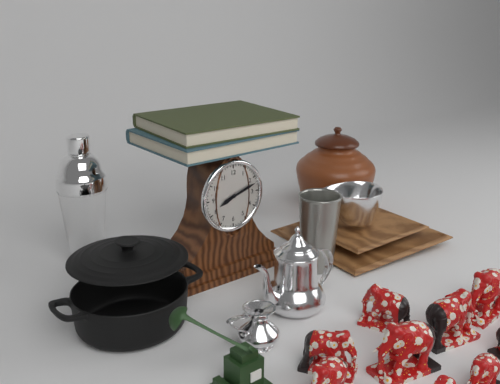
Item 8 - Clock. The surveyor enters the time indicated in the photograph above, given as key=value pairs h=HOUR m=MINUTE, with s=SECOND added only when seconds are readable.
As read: h=8 m=12
